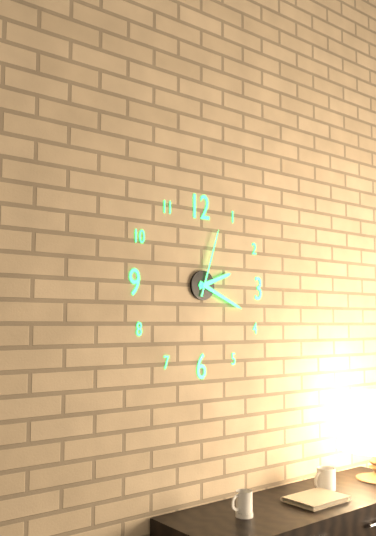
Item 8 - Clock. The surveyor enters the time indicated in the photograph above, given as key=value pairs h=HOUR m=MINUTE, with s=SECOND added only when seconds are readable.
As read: h=2 m=19 s=3
